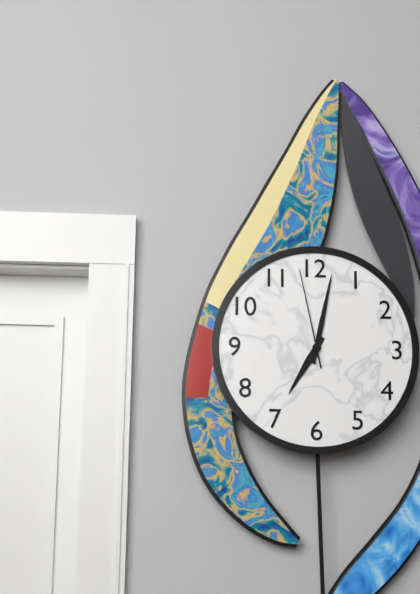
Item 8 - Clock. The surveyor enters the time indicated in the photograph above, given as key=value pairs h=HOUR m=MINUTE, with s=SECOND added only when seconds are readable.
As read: h=7 m=2 s=58
